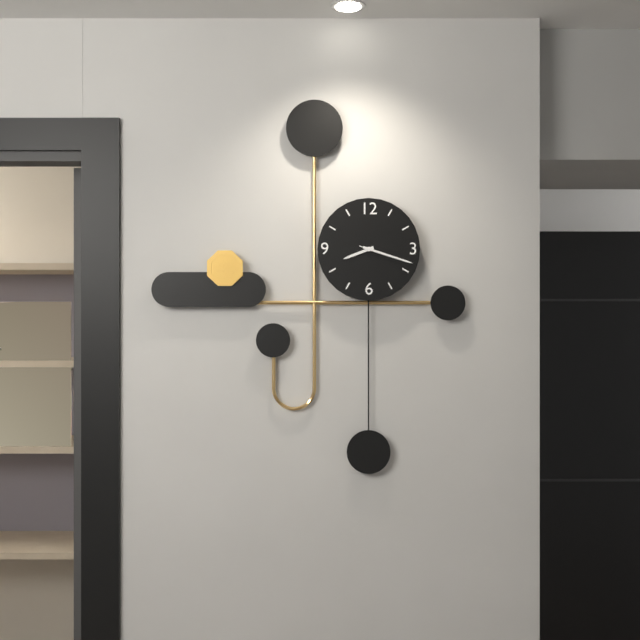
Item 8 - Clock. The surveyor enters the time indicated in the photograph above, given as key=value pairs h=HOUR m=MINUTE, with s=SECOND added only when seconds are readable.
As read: h=8 m=18 s=18
